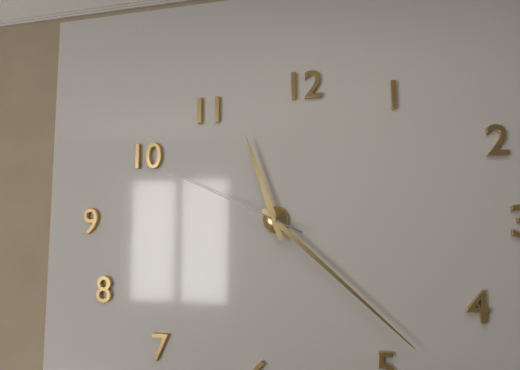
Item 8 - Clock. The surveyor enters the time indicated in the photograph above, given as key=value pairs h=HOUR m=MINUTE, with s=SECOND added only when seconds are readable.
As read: h=11 m=22 s=49
